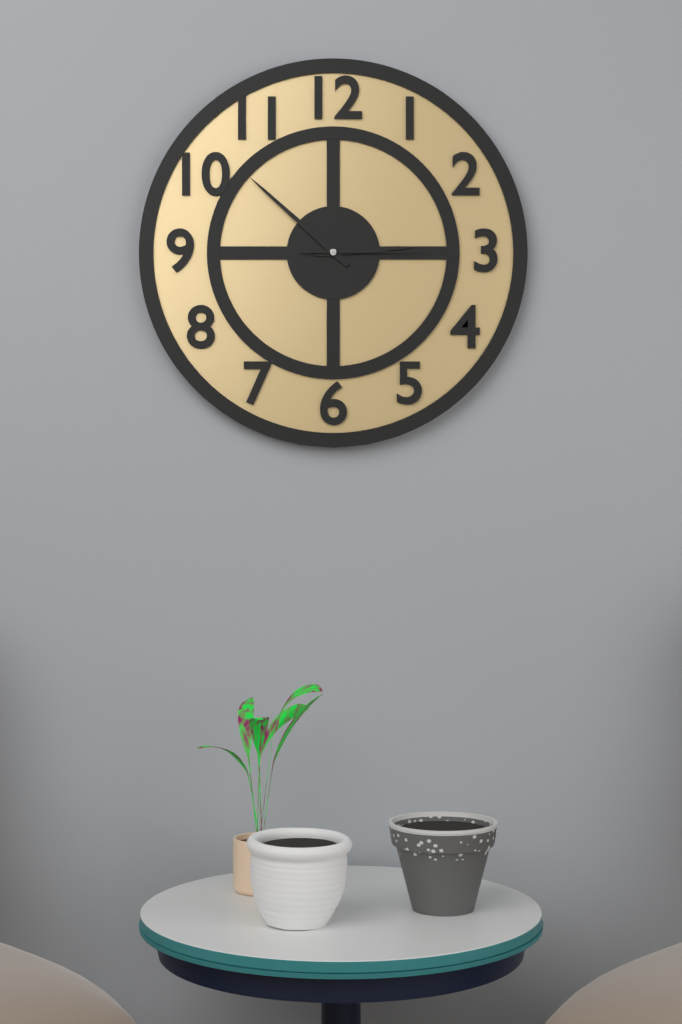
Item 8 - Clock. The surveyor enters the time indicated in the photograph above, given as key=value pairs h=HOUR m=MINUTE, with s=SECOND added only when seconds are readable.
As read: h=2 m=52 s=15
